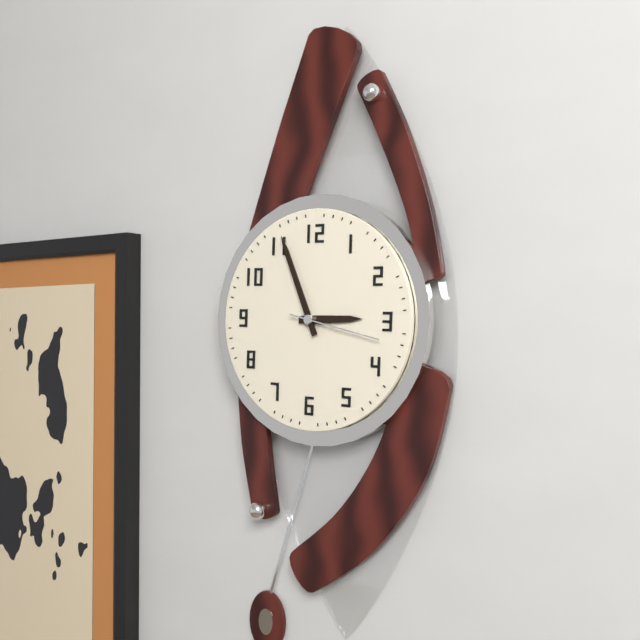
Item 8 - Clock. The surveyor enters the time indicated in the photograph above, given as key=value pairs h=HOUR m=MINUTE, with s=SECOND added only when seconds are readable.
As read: h=2 m=56 s=17
